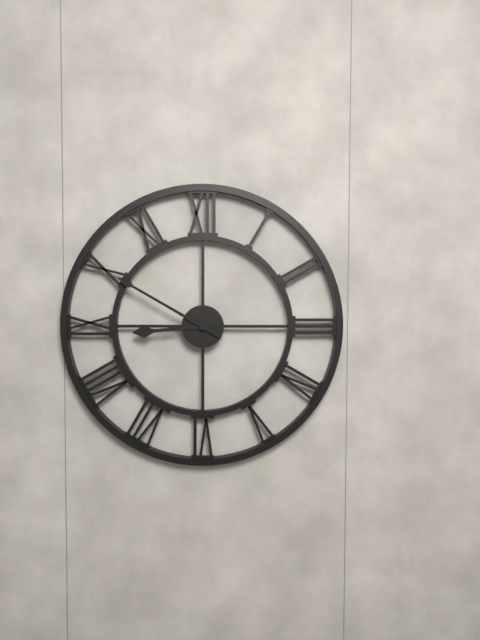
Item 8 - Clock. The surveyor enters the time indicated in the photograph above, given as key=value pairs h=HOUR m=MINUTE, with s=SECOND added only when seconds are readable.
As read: h=8 m=50
